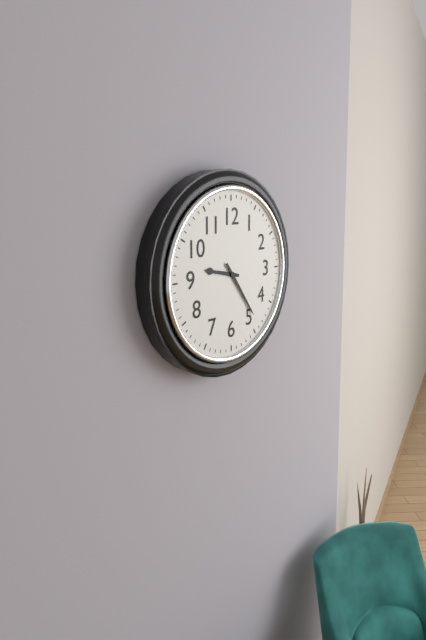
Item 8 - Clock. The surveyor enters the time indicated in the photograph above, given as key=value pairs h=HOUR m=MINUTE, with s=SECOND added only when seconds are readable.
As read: h=9 m=24
